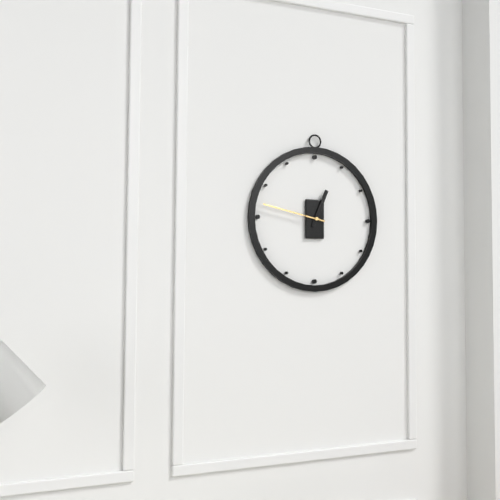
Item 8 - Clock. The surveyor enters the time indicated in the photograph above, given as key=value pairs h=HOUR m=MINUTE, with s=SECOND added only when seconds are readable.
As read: h=12 m=47
